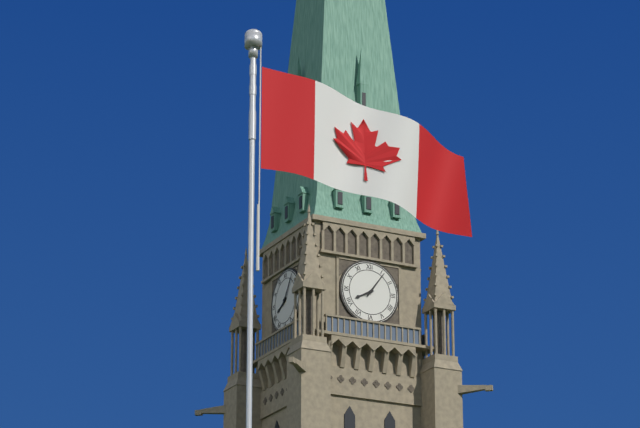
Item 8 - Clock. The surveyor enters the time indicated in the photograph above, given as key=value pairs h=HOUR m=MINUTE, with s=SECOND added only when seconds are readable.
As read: h=8 m=6
